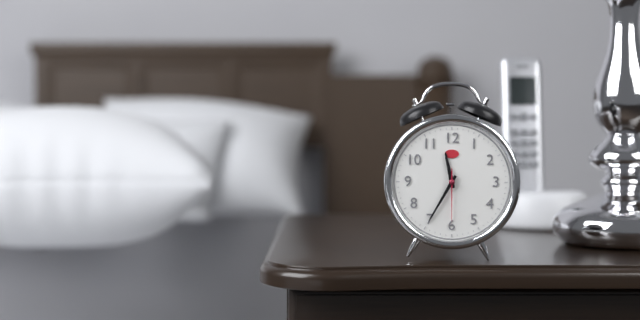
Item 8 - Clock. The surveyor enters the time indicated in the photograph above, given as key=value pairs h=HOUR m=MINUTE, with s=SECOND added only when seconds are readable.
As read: h=11 m=35 s=30
